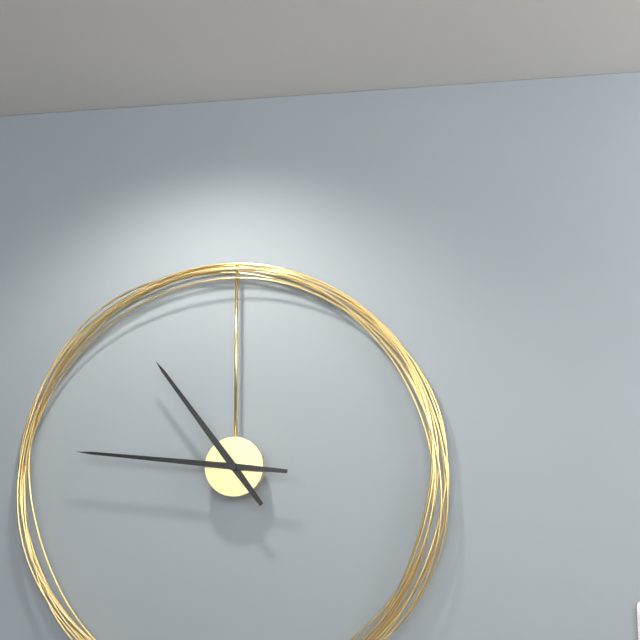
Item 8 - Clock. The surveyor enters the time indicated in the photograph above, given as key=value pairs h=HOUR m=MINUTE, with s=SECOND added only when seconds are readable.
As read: h=10 m=46
